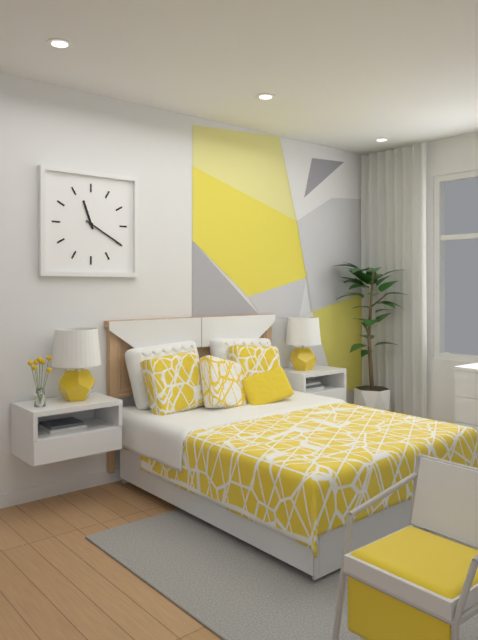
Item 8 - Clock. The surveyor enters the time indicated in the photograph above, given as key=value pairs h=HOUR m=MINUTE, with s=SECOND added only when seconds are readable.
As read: h=11 m=20
